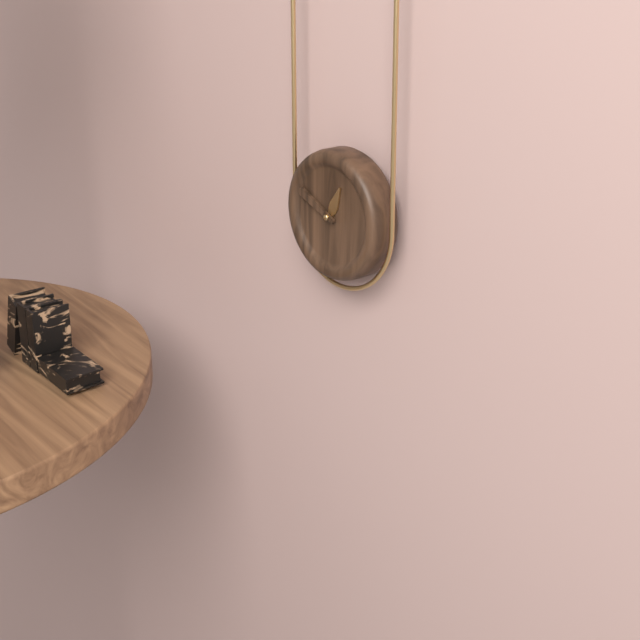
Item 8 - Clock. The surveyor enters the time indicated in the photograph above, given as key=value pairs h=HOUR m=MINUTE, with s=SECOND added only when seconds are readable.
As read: h=12 m=49
